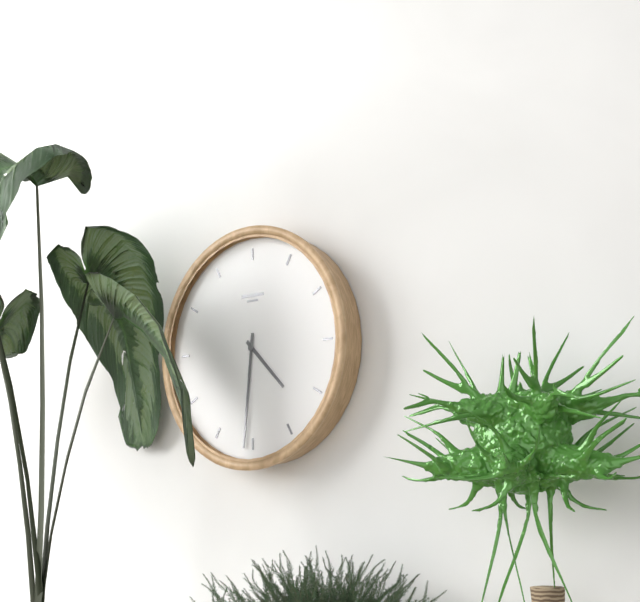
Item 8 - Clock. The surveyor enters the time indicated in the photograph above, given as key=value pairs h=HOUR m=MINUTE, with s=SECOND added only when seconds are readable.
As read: h=4 m=31
